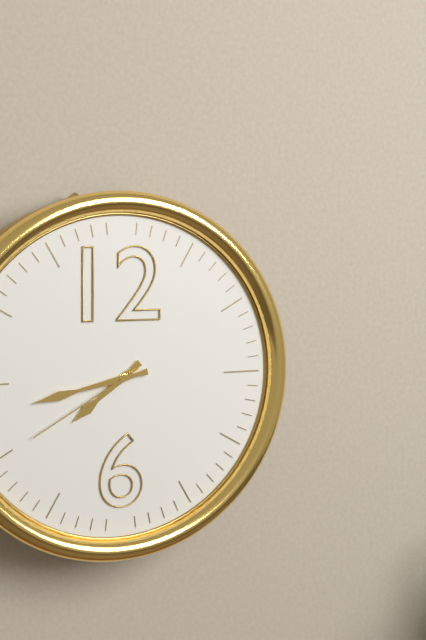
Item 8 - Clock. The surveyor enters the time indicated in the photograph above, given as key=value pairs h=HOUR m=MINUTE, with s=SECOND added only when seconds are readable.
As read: h=7 m=43 s=40
